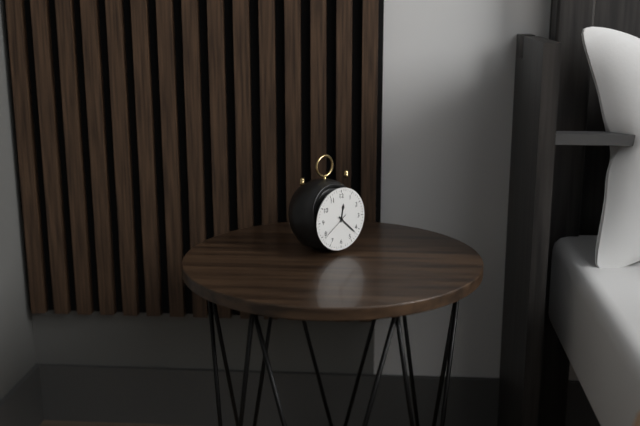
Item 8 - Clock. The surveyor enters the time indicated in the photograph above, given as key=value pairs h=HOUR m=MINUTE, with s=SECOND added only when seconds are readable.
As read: h=12 m=22
